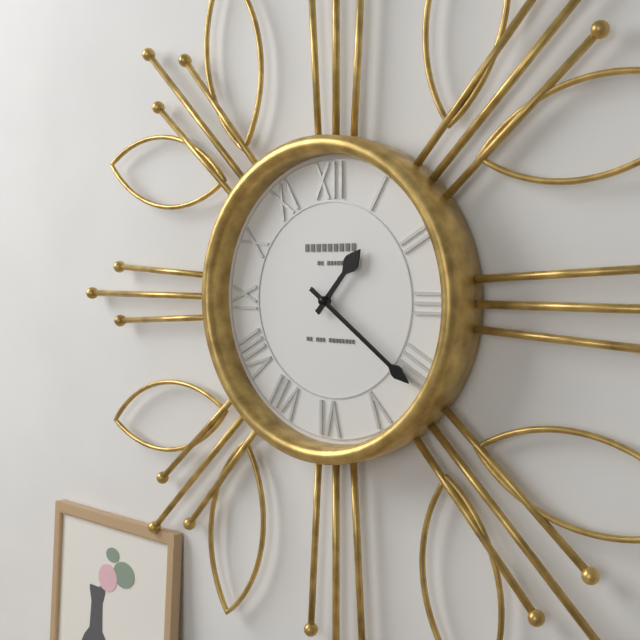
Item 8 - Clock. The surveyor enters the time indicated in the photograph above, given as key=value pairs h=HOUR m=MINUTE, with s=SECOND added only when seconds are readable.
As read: h=1 m=21
